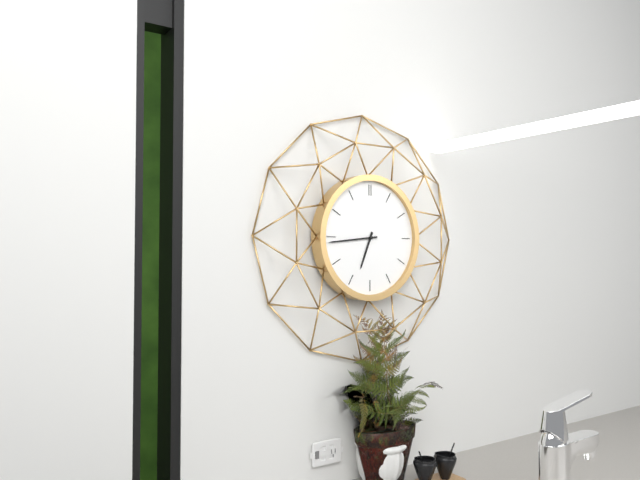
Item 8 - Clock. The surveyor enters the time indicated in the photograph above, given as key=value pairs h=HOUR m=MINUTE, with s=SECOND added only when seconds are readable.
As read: h=6 m=44
